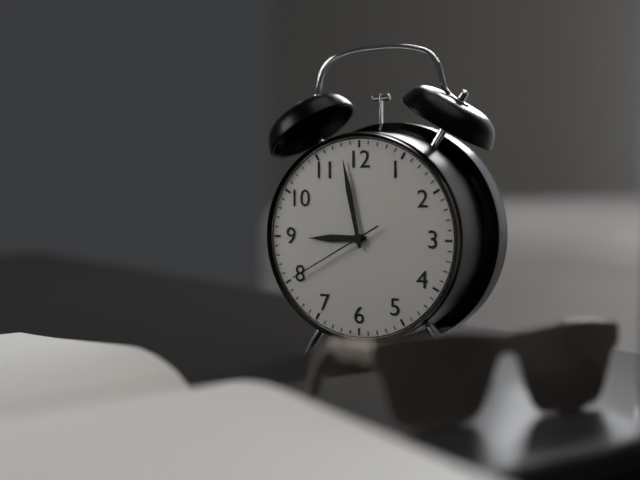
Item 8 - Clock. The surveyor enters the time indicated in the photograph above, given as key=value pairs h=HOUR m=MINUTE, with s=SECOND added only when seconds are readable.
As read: h=8 m=58 s=40
